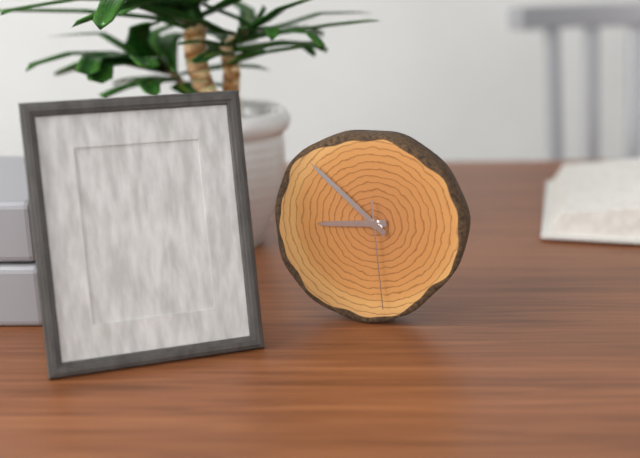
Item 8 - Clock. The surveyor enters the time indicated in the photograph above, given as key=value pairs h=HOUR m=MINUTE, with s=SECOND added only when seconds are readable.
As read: h=8 m=52 s=29
